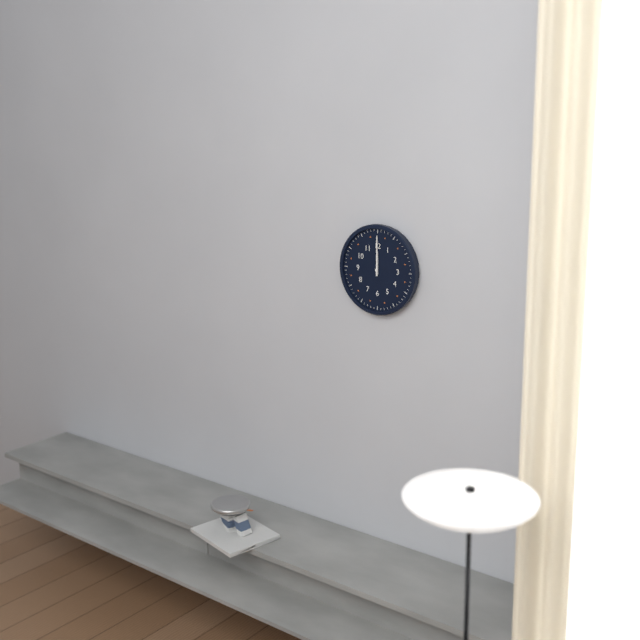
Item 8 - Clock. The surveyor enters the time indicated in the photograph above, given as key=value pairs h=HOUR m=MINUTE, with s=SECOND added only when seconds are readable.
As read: h=12 m=0
